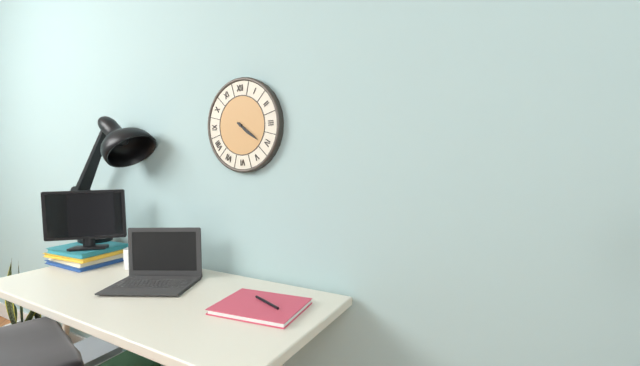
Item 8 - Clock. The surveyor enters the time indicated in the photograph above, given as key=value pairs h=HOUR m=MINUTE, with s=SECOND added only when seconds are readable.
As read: h=4 m=21
